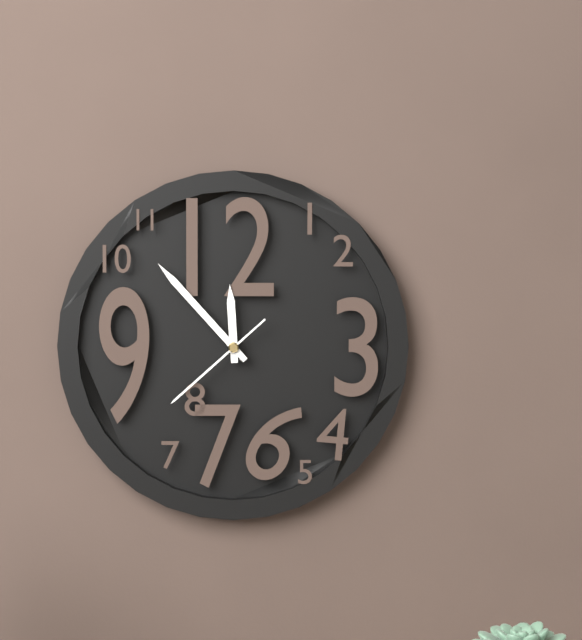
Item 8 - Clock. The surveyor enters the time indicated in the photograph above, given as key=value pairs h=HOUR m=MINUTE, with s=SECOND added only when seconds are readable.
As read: h=11 m=53 s=38
